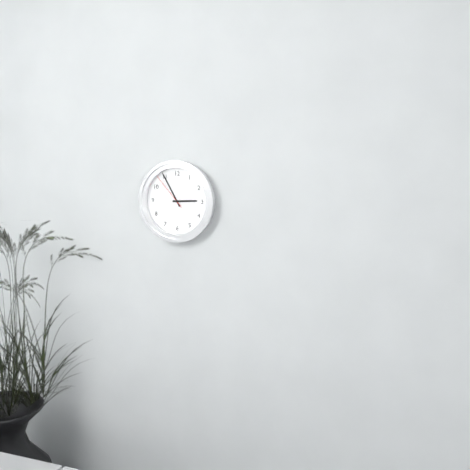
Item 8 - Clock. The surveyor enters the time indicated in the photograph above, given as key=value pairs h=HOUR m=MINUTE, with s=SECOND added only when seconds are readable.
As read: h=2 m=55
